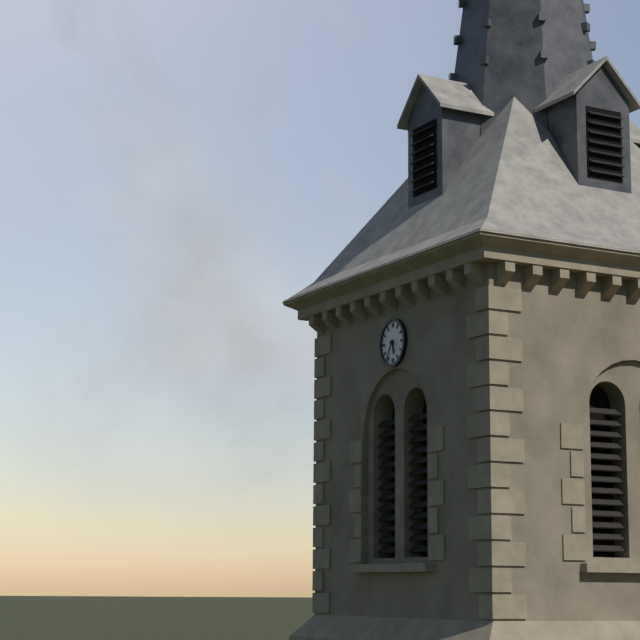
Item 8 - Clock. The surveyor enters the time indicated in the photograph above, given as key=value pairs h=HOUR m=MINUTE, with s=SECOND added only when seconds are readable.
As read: h=5 m=35
